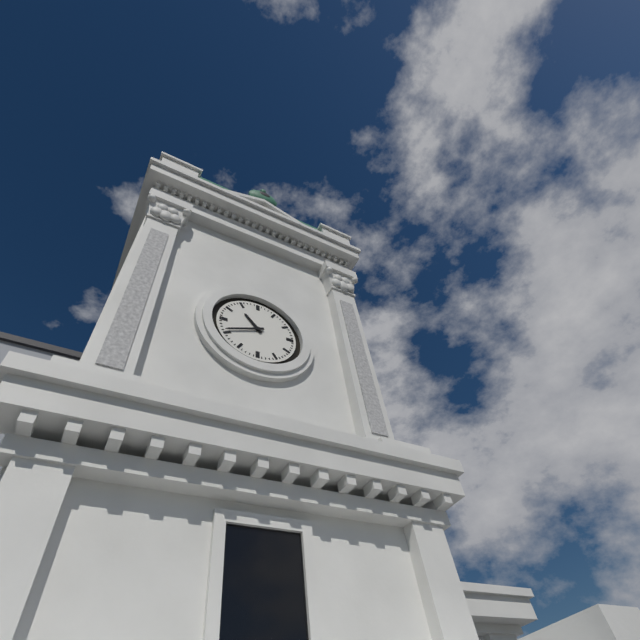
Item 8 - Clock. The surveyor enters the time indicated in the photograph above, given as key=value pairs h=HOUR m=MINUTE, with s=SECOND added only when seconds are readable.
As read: h=10 m=41
